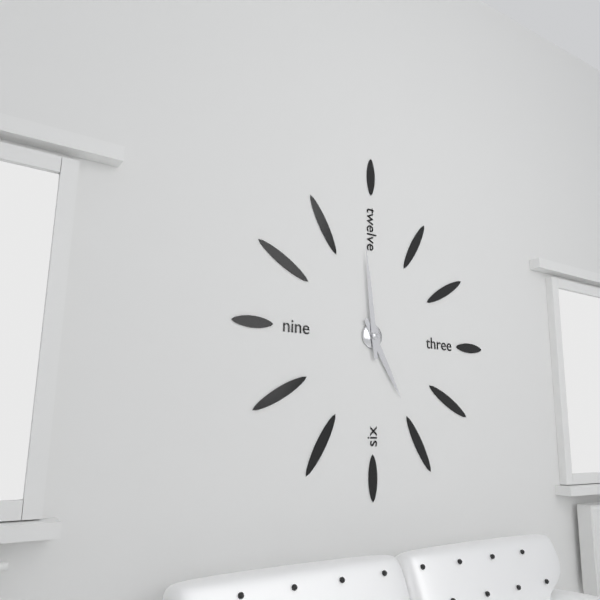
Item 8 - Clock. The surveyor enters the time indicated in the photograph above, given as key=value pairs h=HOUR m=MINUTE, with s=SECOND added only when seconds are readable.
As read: h=4 m=59
